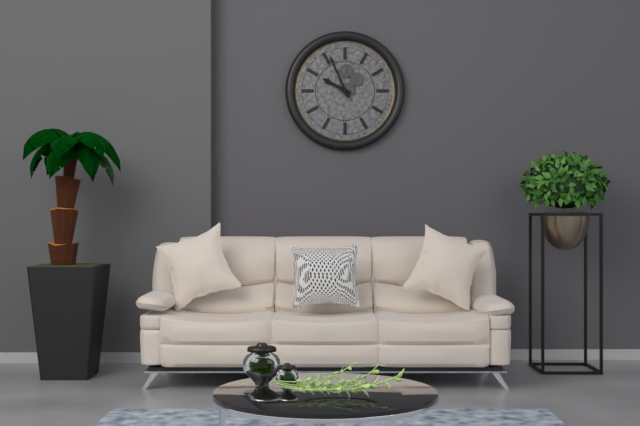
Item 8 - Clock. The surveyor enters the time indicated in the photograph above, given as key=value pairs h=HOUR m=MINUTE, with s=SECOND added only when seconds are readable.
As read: h=9 m=56
